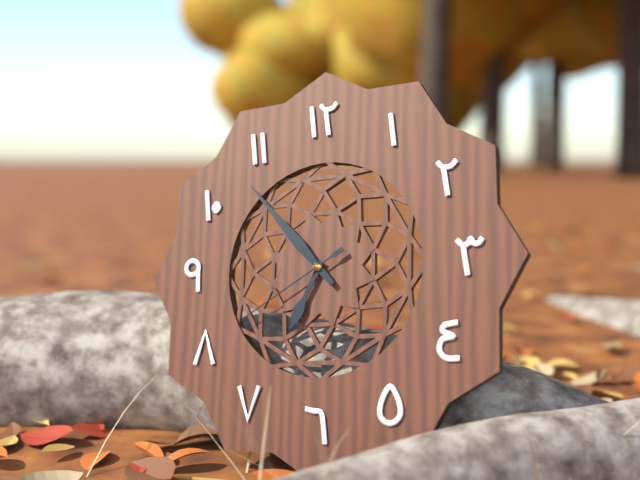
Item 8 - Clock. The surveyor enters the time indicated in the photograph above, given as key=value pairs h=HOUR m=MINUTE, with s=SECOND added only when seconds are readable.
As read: h=6 m=53 s=40
